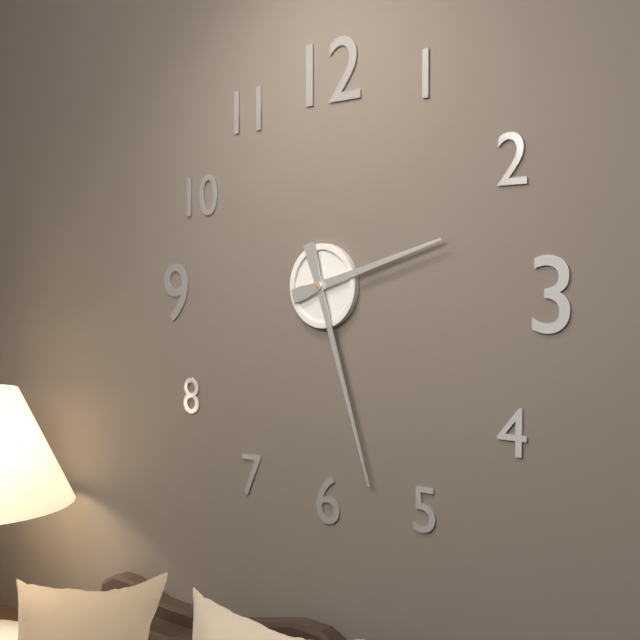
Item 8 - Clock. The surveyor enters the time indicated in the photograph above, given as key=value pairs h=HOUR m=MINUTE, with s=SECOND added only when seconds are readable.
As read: h=2 m=27
